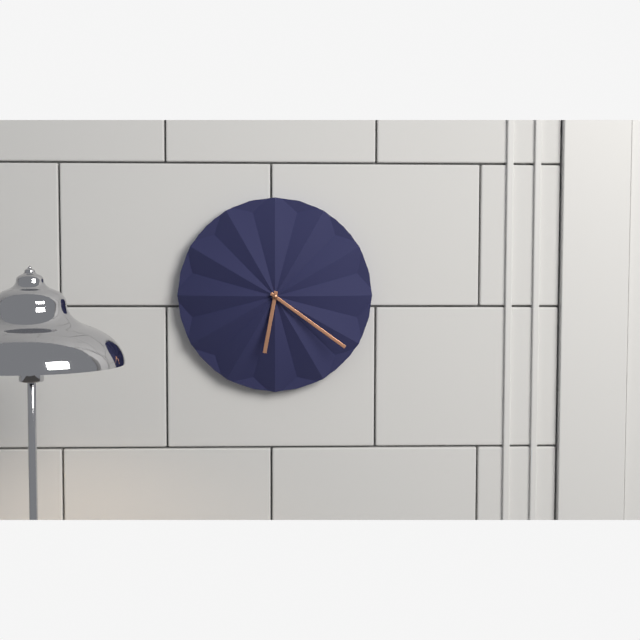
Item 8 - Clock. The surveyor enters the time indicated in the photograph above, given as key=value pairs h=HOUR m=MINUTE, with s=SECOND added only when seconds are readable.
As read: h=6 m=21
